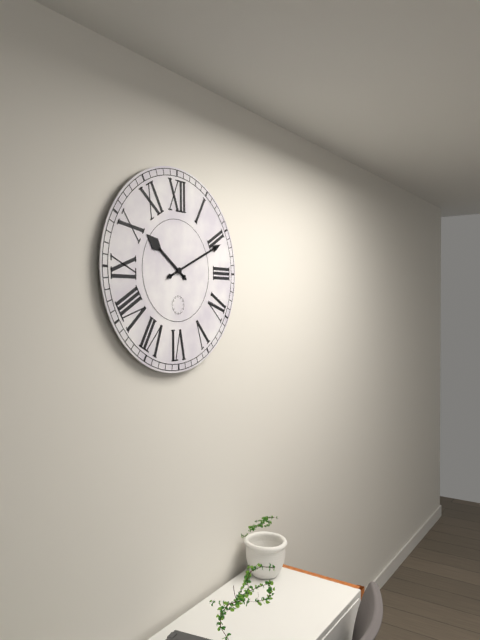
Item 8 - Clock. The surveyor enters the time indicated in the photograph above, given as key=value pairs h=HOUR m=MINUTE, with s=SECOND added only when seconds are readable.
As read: h=10 m=11
